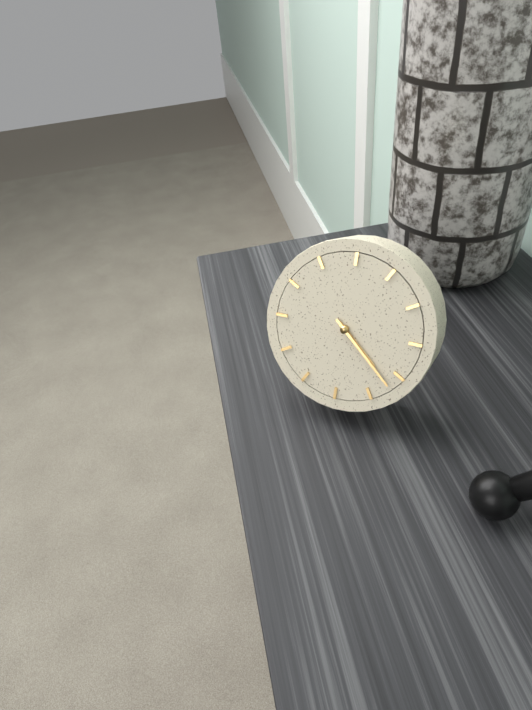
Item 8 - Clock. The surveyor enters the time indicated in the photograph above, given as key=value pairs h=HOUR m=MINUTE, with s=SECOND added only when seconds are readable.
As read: h=4 m=22
